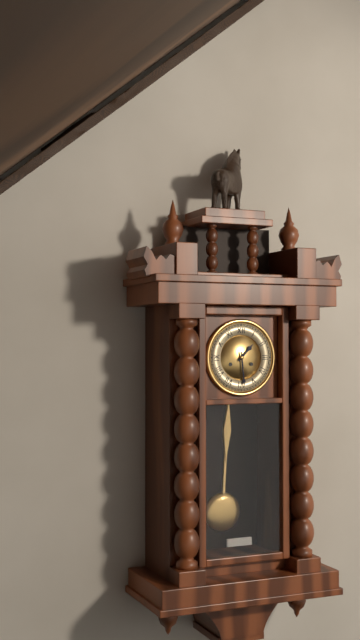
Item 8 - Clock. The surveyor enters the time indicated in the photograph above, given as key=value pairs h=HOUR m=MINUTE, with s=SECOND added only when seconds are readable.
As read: h=1 m=29
